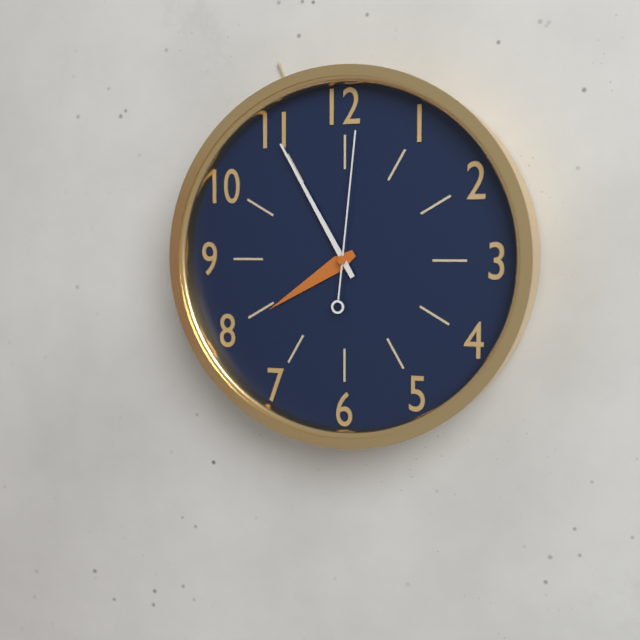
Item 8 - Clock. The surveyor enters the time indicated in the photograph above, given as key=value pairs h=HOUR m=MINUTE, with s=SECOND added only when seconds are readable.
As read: h=7 m=55 s=1
